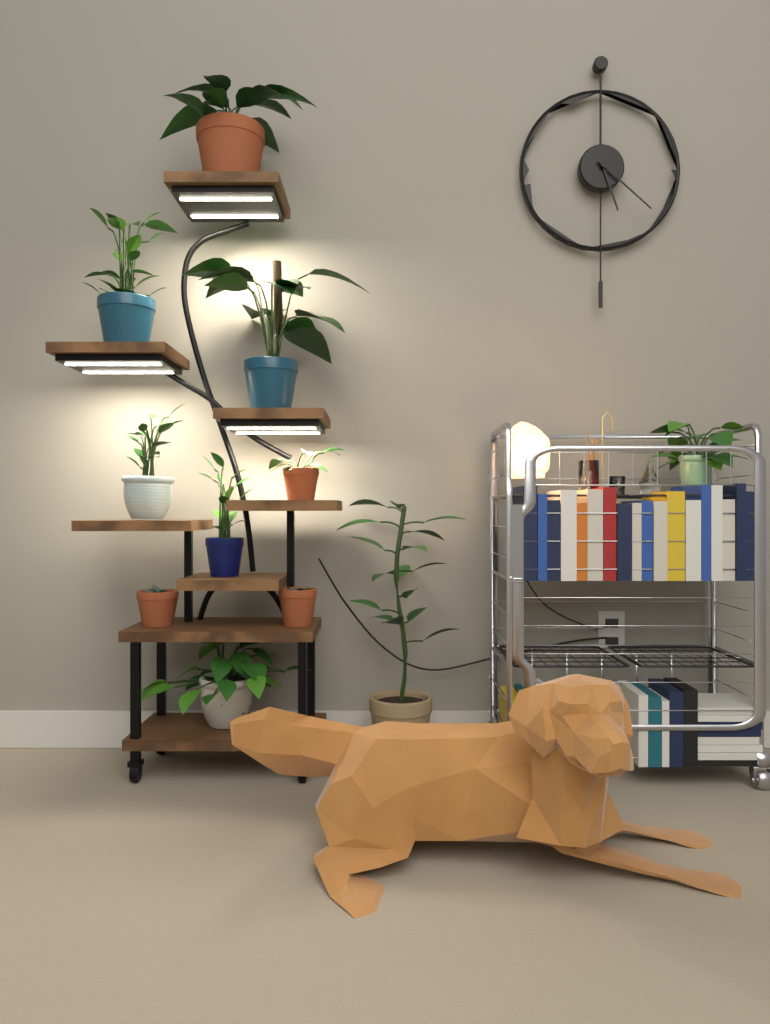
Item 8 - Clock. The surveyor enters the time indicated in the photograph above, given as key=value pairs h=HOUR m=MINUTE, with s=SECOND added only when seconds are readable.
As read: h=5 m=22
